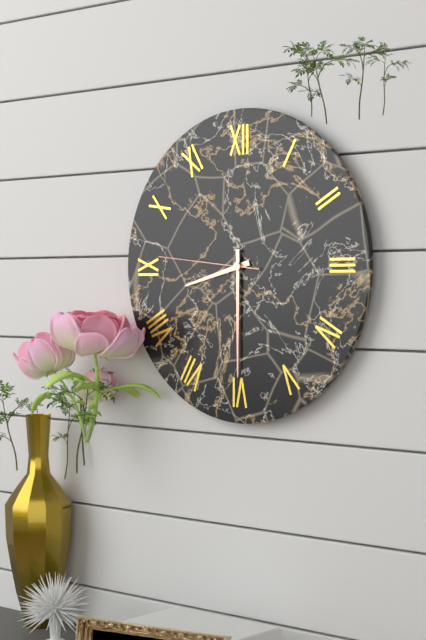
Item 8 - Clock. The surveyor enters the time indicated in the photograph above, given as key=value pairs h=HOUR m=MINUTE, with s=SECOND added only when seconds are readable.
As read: h=8 m=30 s=46
